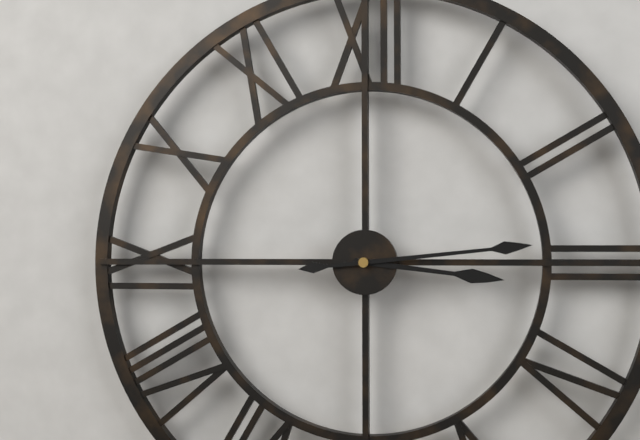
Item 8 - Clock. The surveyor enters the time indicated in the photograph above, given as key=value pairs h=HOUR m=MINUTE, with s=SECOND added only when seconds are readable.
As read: h=3 m=14
